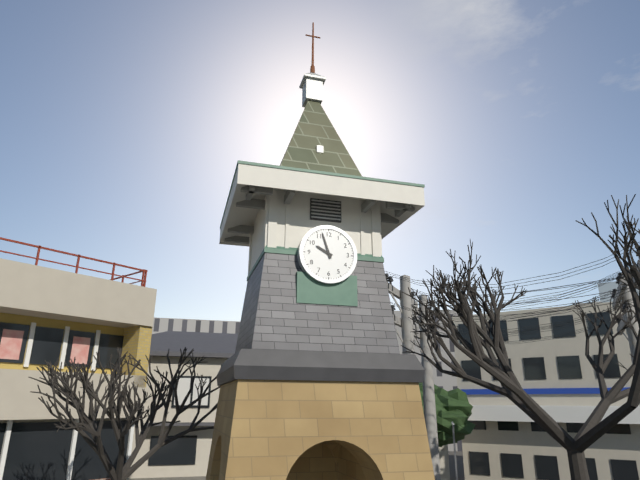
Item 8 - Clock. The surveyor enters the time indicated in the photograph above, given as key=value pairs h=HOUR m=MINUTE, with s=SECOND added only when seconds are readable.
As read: h=9 m=57
